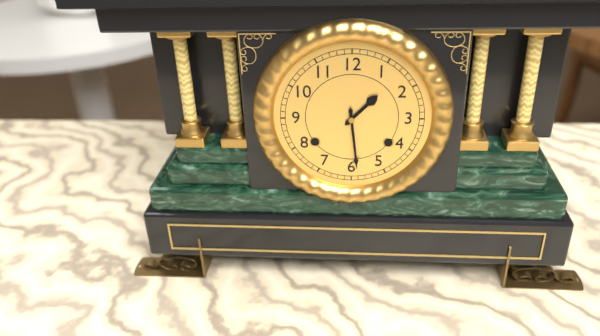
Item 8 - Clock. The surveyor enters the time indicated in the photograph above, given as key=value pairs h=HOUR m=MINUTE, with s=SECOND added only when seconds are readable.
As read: h=1 m=29
